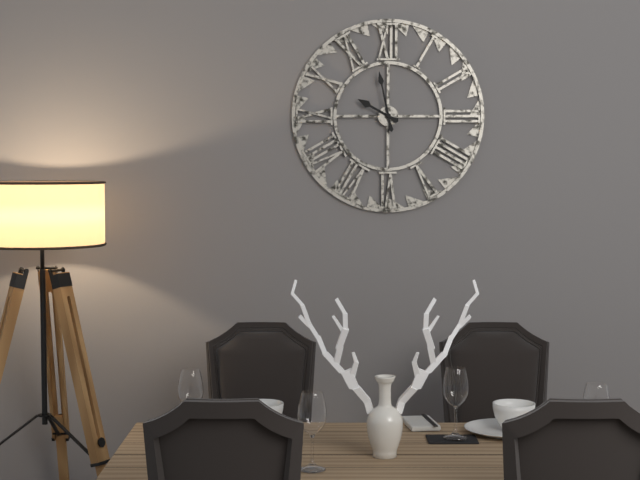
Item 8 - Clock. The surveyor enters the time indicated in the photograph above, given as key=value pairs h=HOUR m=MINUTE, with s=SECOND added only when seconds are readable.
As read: h=9 m=58
